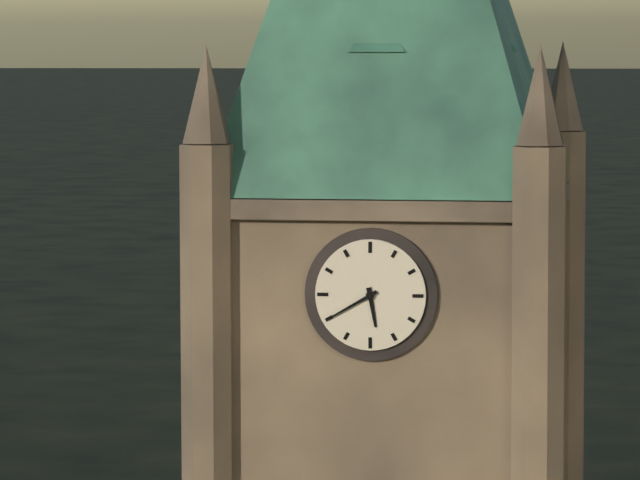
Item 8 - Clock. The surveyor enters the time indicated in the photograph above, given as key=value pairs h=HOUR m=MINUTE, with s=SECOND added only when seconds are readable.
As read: h=5 m=40
